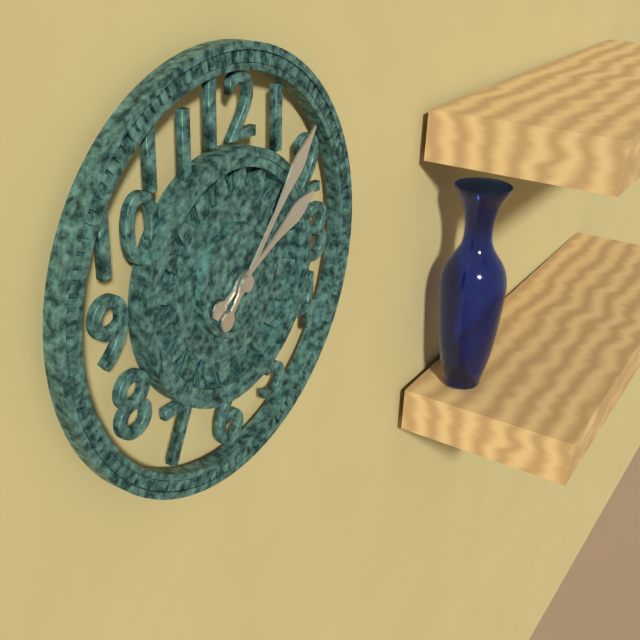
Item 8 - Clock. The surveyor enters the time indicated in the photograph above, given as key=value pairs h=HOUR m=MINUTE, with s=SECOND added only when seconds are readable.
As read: h=2 m=7
